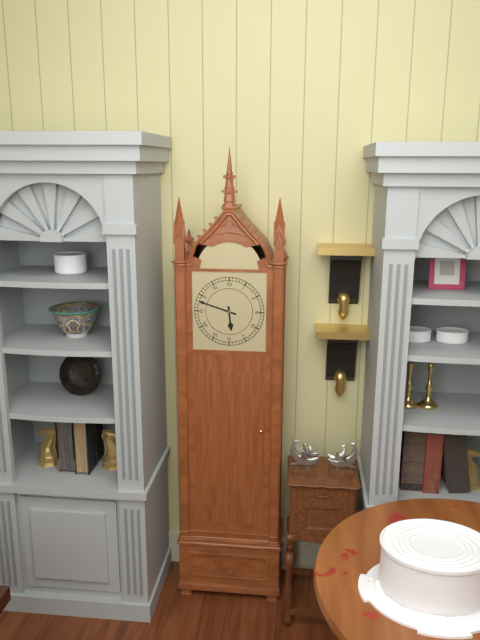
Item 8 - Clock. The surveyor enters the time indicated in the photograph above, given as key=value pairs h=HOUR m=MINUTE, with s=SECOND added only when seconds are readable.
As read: h=5 m=48
